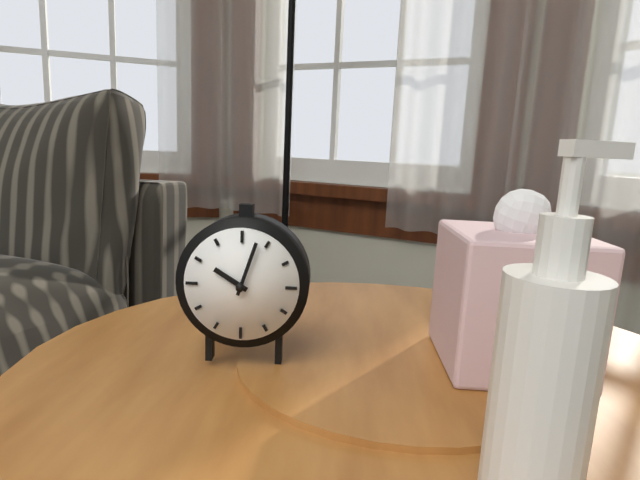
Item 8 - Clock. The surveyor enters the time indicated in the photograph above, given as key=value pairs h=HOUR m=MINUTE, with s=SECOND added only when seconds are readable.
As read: h=10 m=3
